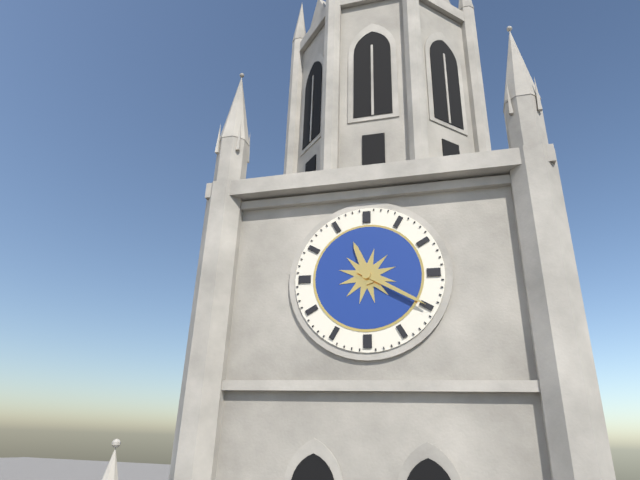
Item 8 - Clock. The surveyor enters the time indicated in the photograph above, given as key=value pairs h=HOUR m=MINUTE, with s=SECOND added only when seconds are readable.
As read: h=11 m=20
